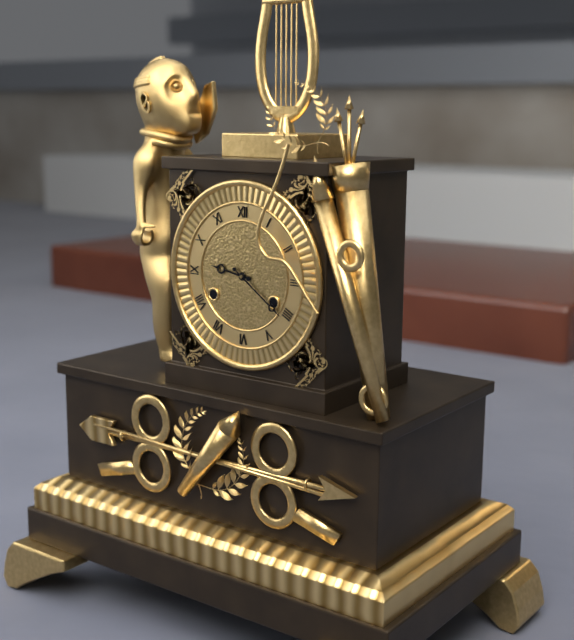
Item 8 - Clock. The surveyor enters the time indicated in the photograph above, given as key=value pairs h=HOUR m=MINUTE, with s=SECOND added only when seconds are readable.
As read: h=9 m=21
